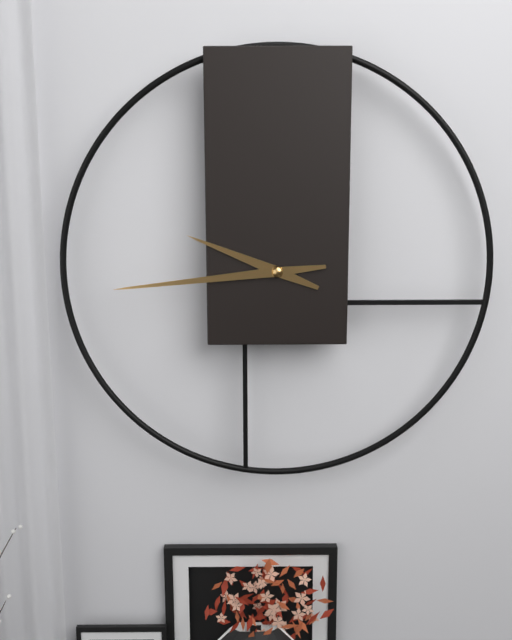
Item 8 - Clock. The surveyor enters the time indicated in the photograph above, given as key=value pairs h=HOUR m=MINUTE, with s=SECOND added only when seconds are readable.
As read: h=9 m=44
